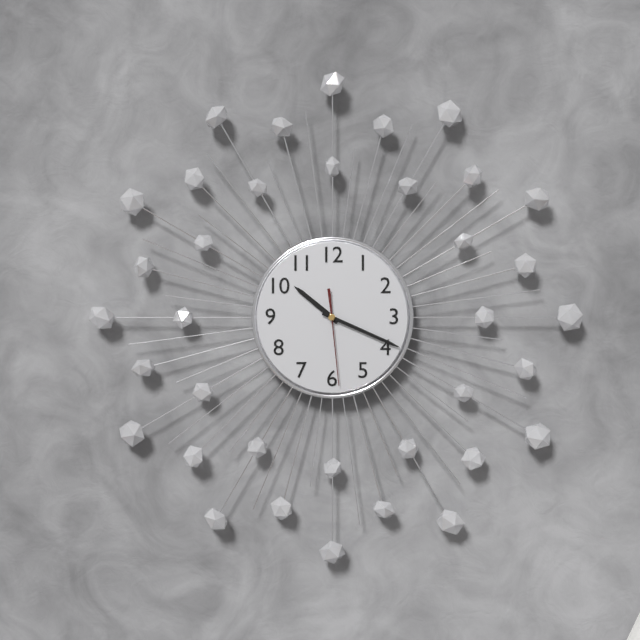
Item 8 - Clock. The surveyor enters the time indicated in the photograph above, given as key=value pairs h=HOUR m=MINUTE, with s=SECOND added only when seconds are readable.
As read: h=10 m=19 s=29
